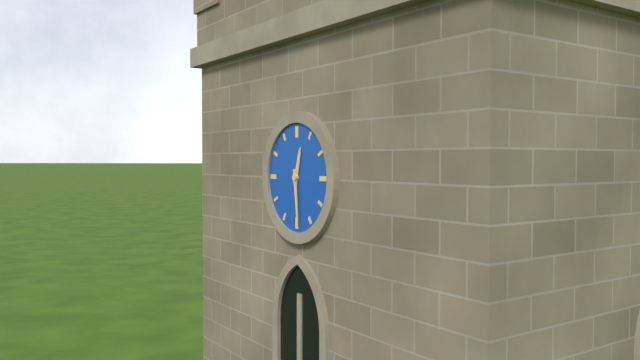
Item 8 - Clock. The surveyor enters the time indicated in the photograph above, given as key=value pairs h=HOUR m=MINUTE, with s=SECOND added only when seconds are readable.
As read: h=12 m=29
